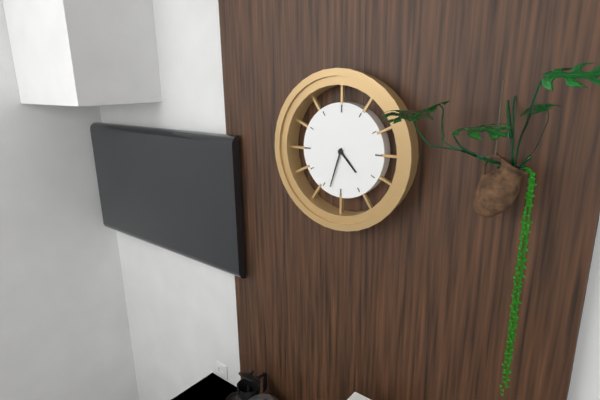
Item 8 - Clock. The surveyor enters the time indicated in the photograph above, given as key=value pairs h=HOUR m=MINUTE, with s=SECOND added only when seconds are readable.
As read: h=4 m=33
